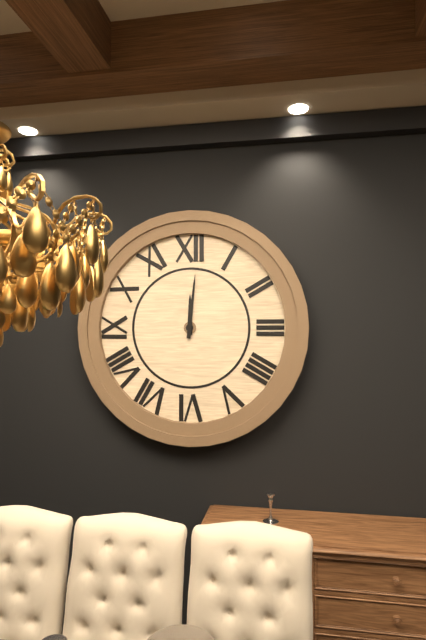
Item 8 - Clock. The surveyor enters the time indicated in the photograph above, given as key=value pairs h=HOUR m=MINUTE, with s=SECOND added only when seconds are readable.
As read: h=12 m=1
